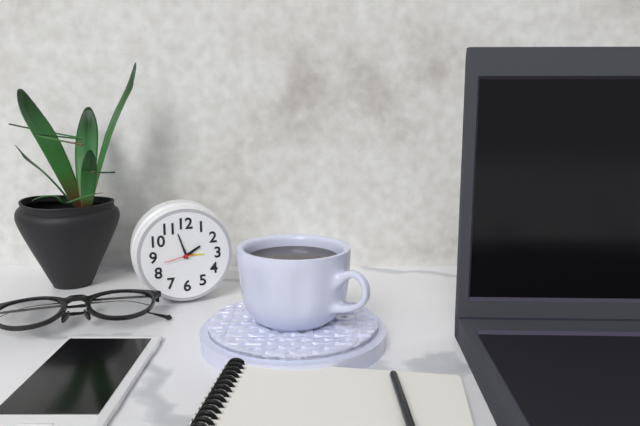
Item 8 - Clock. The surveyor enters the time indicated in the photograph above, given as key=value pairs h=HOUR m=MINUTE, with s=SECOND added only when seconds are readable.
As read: h=1 m=57
